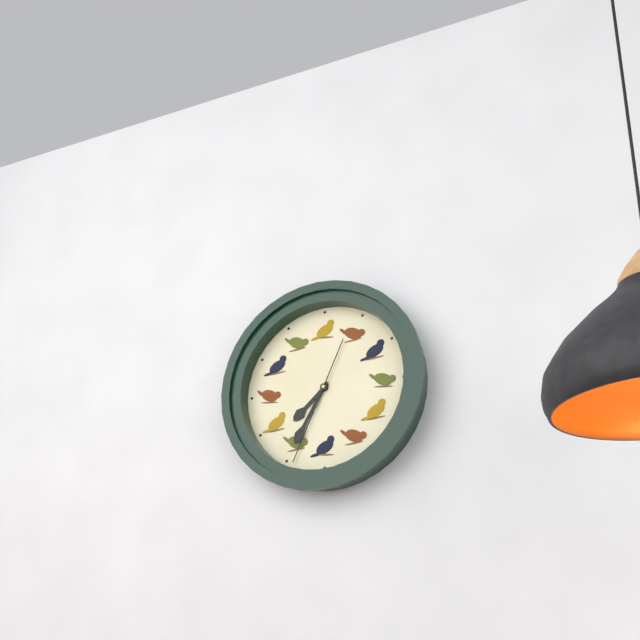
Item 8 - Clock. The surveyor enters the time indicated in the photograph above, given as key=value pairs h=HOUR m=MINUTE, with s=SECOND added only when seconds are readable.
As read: h=7 m=35 s=34
